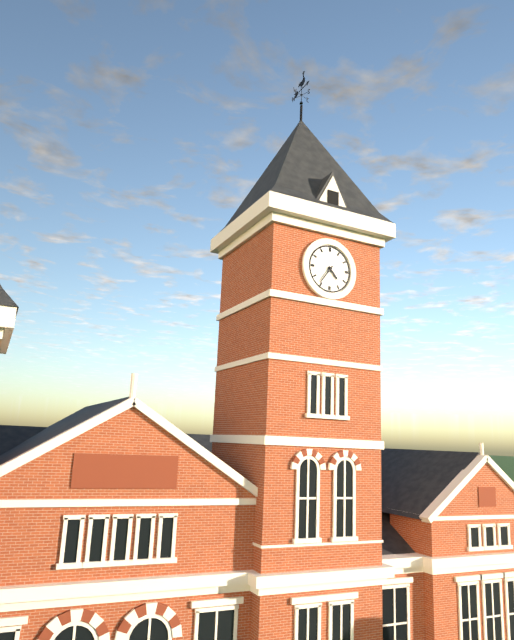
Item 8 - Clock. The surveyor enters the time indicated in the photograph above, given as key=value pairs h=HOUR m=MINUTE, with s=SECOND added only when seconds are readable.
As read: h=4 m=36
